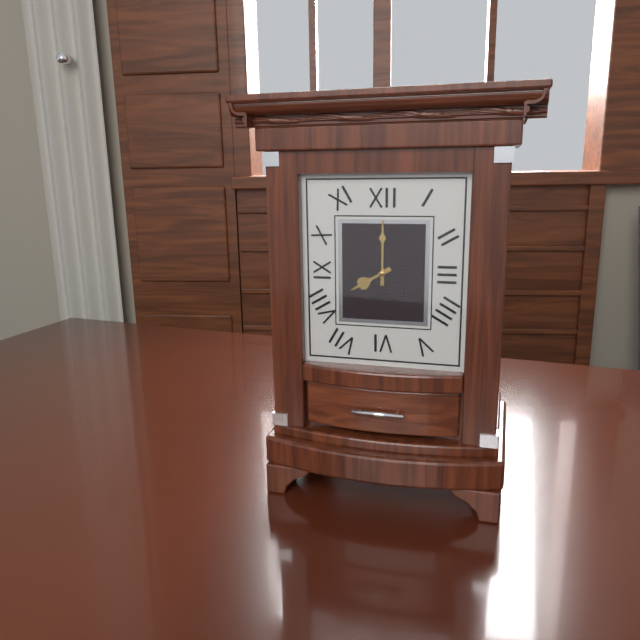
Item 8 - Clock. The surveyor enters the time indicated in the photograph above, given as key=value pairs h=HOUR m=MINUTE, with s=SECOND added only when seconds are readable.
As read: h=8 m=0
